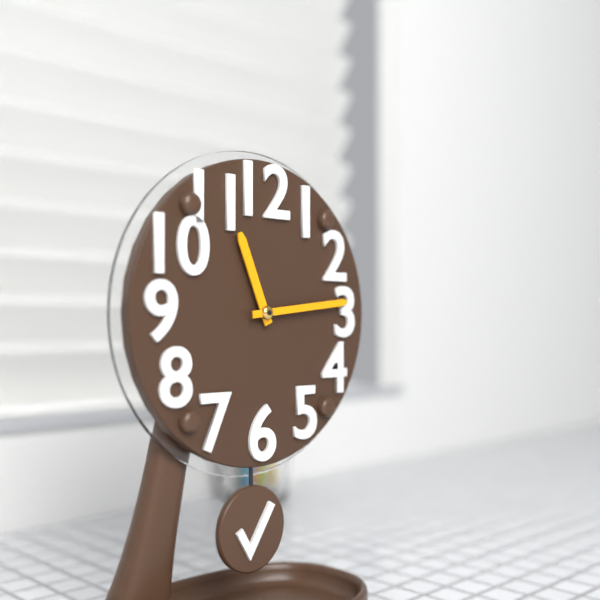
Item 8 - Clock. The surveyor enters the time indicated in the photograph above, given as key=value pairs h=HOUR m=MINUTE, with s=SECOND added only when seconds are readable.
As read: h=11 m=14
